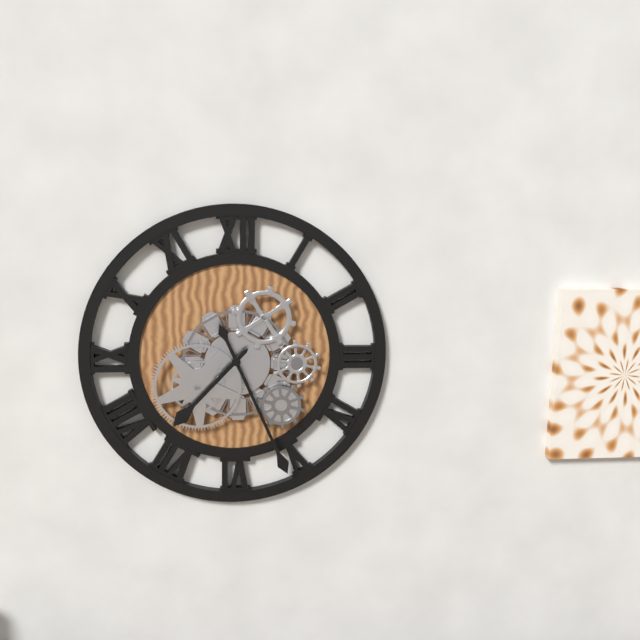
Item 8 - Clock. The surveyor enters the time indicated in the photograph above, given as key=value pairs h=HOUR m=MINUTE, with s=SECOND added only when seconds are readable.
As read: h=7 m=26
